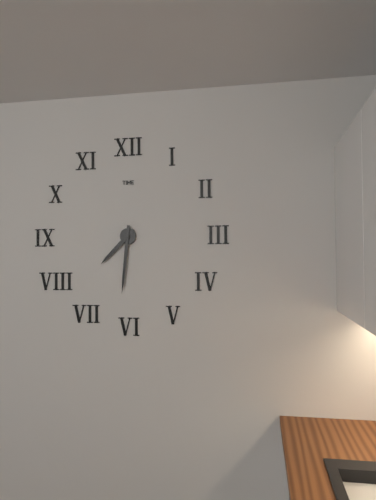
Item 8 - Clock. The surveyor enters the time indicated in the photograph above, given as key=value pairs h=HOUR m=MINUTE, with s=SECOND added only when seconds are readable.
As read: h=7 m=31
